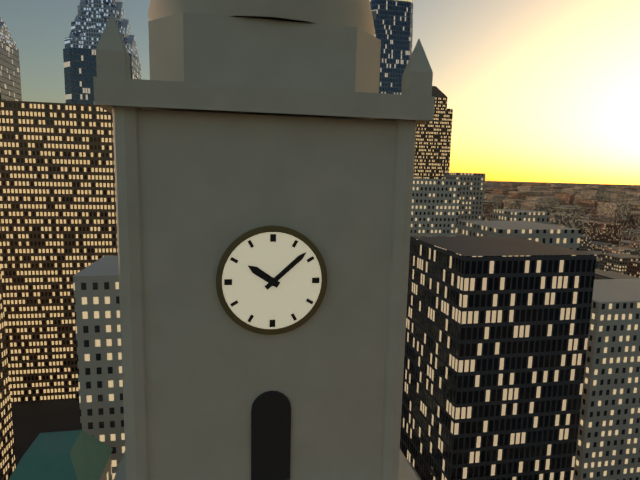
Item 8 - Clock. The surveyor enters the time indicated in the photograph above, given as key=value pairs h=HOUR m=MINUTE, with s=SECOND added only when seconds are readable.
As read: h=10 m=8
